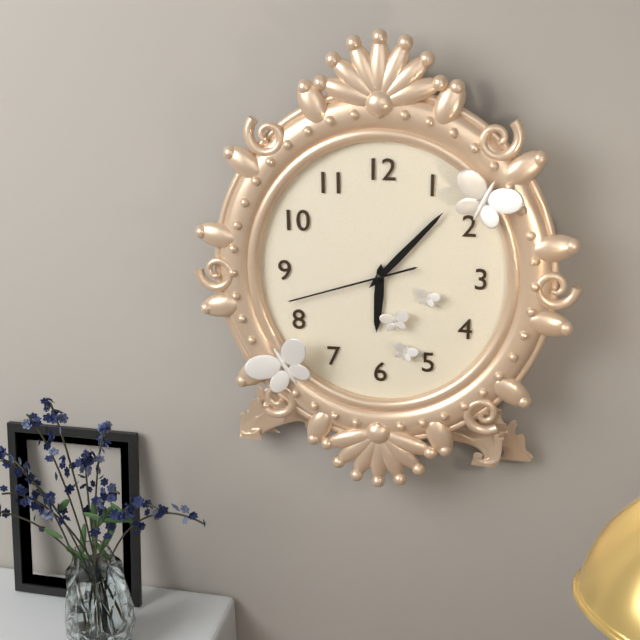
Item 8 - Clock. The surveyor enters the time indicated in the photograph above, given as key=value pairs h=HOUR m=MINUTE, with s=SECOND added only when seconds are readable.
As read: h=6 m=7 s=42
